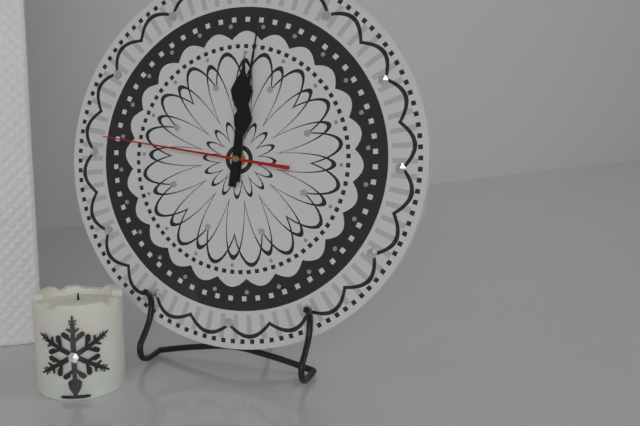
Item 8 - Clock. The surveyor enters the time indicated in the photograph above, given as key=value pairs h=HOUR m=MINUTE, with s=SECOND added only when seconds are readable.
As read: h=12 m=1 s=46
